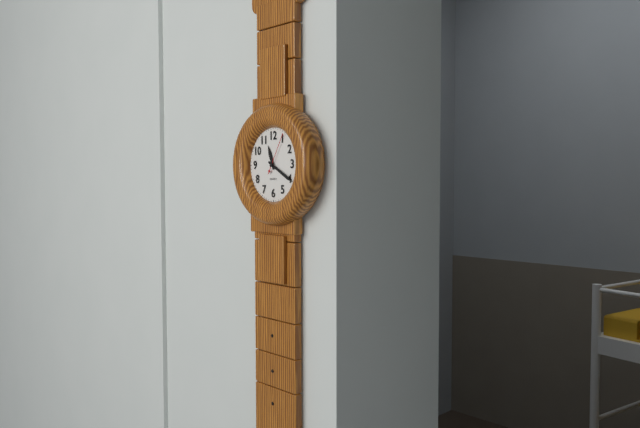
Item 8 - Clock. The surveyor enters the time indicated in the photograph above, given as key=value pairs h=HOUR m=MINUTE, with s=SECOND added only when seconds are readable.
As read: h=11 m=20
